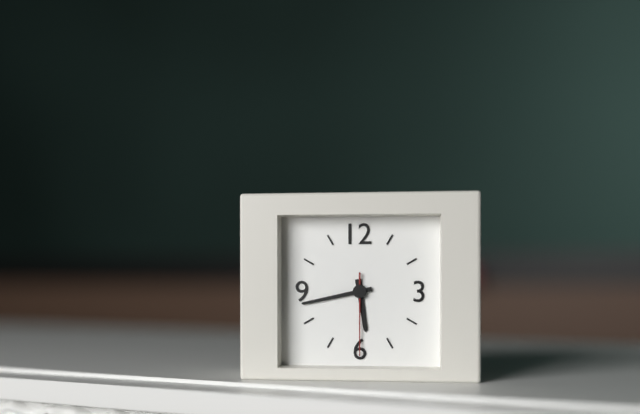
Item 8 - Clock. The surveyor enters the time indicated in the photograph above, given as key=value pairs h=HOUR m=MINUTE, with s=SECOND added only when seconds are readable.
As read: h=5 m=43 s=30
